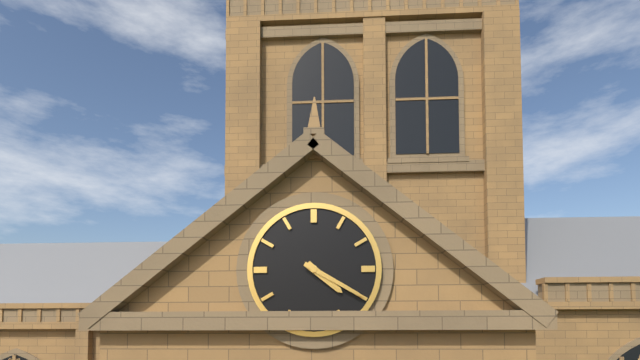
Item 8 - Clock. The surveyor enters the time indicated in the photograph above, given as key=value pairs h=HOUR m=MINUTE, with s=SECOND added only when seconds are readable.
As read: h=4 m=20
